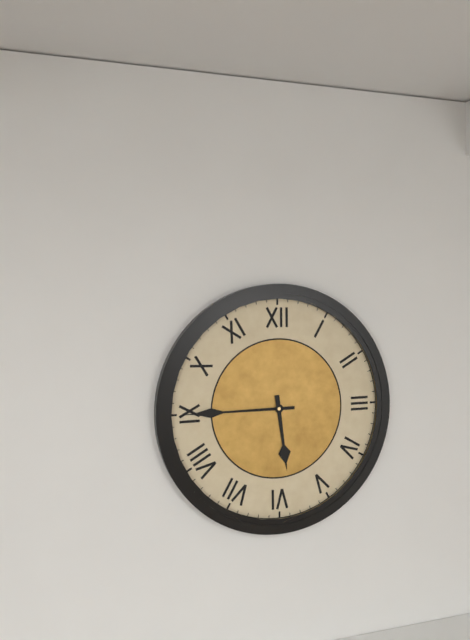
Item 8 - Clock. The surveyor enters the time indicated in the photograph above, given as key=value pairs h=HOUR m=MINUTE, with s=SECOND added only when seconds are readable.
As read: h=5 m=45
